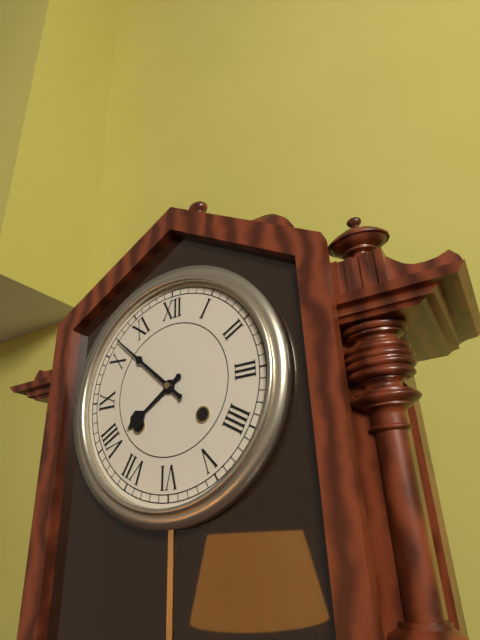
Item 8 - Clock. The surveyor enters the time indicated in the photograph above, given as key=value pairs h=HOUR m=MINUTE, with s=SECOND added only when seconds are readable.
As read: h=7 m=52
